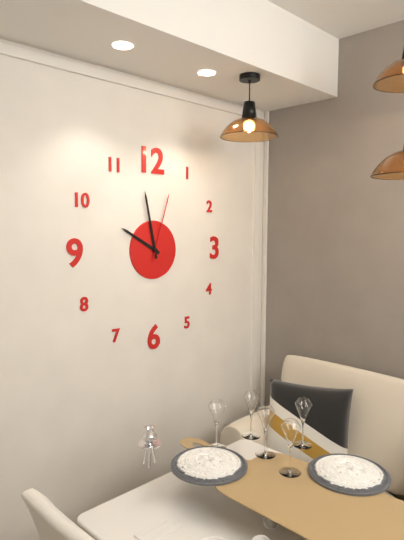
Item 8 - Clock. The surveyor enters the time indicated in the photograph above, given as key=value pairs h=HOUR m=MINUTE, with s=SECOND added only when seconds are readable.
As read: h=9 m=58 s=3
